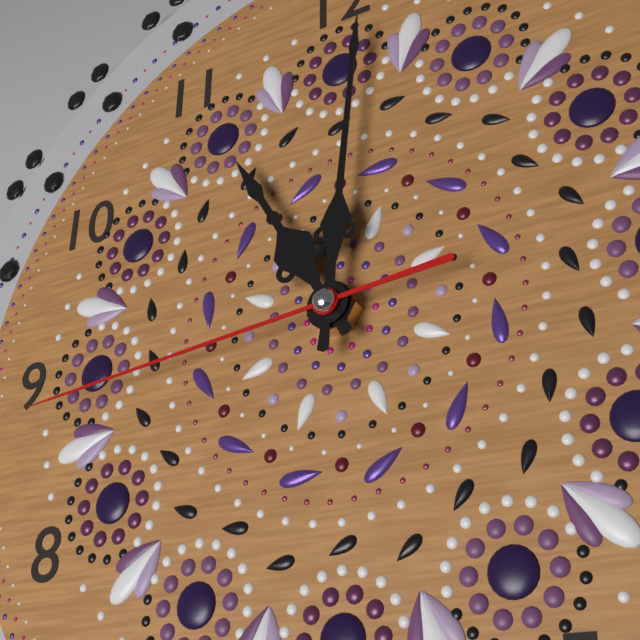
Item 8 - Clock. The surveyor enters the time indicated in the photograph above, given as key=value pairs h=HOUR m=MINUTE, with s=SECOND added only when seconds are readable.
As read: h=11 m=1 s=44
